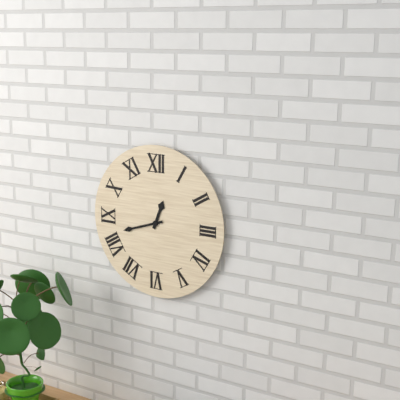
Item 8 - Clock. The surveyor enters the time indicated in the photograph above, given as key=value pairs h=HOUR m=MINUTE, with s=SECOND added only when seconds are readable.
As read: h=12 m=42
